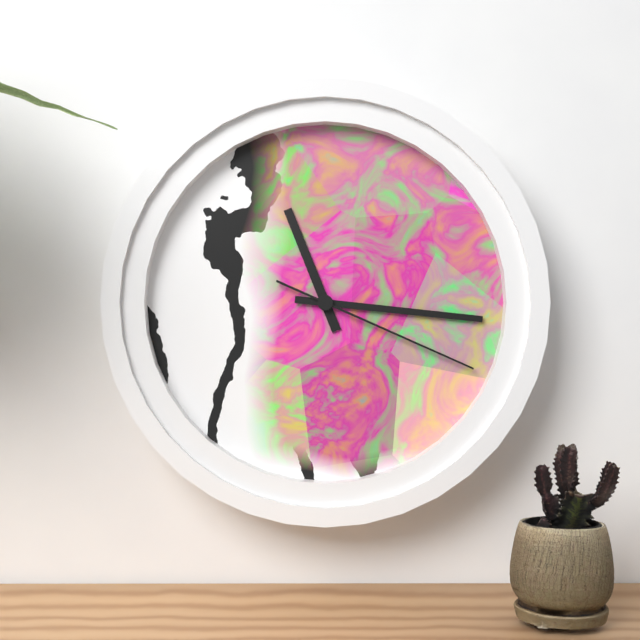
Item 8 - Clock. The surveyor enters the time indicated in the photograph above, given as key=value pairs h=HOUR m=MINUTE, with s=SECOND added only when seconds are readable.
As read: h=11 m=16 s=19
